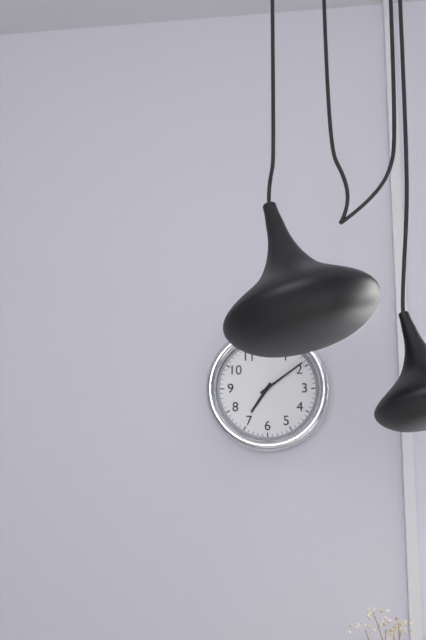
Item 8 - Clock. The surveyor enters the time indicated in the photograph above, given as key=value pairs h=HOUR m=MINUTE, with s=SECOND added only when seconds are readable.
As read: h=7 m=9
